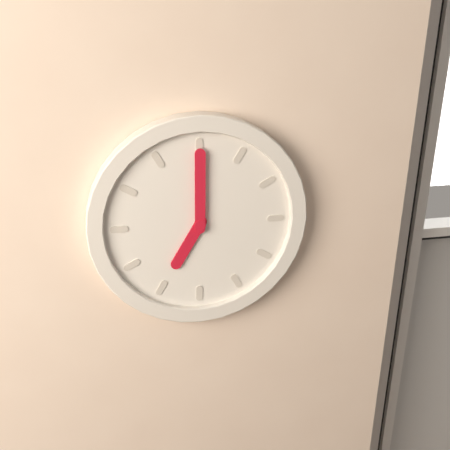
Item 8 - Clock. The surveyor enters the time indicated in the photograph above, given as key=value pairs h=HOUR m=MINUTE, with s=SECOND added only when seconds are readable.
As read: h=7 m=0
